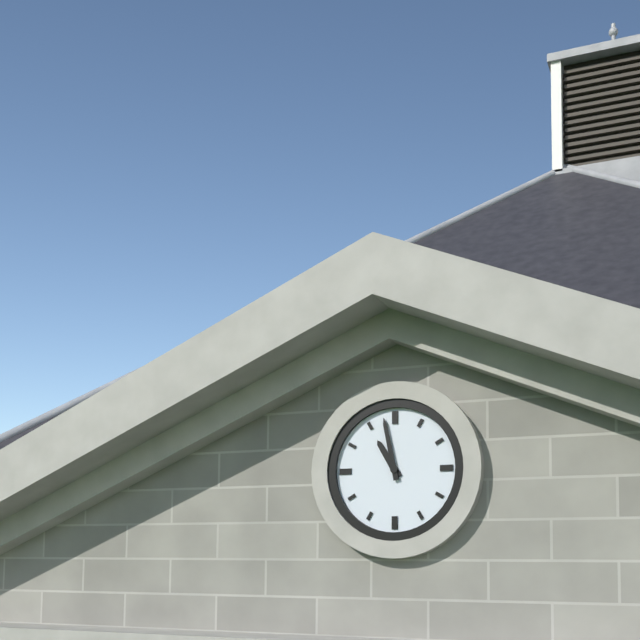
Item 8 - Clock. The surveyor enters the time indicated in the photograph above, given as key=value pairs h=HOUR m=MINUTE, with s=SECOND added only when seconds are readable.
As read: h=10 m=58
